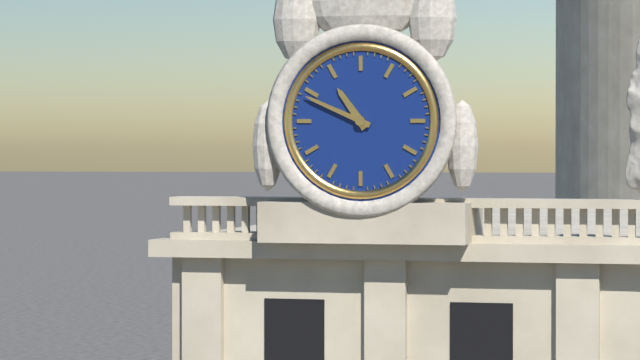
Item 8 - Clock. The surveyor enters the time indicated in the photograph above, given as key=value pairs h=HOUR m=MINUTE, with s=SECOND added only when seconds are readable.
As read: h=10 m=49
